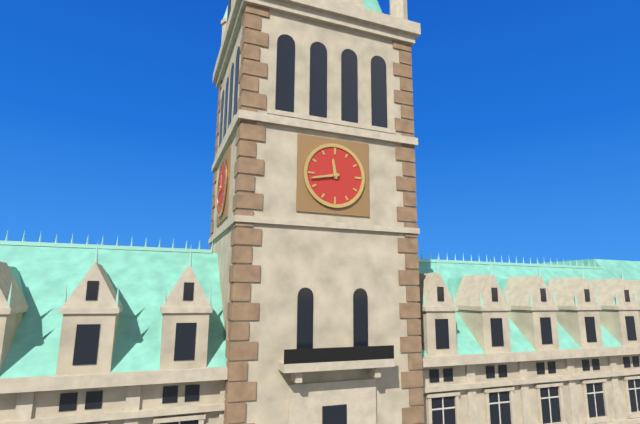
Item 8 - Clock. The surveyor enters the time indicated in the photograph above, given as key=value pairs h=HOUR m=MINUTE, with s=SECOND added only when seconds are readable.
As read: h=11 m=43
